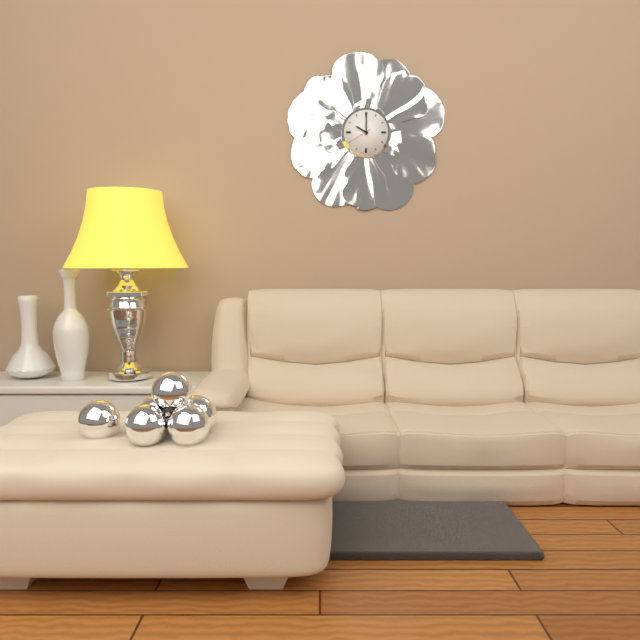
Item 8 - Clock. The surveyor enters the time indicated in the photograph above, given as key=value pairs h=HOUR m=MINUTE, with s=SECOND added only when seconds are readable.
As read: h=10 m=0
